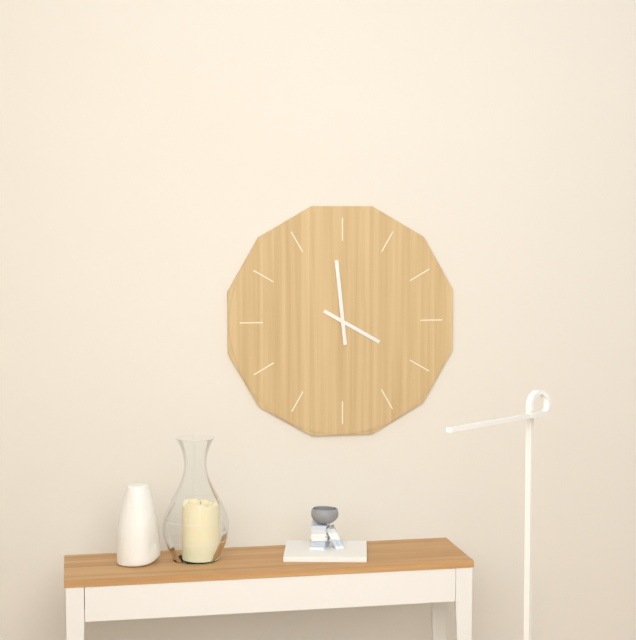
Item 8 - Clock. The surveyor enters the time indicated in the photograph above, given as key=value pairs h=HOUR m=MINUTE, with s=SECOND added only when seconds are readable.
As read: h=3 m=59
